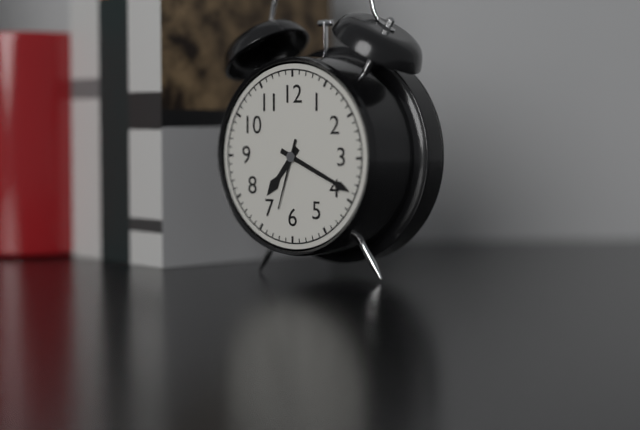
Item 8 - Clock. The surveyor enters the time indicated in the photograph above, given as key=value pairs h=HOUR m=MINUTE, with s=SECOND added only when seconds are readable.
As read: h=7 m=19 s=33
